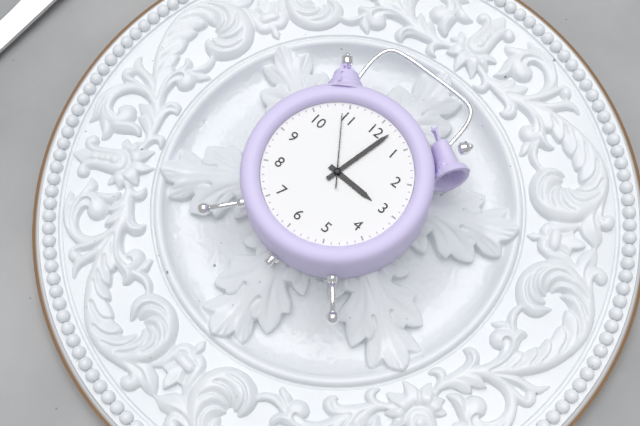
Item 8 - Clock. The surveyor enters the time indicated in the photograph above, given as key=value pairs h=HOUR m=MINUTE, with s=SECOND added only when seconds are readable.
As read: h=3 m=2 s=54
